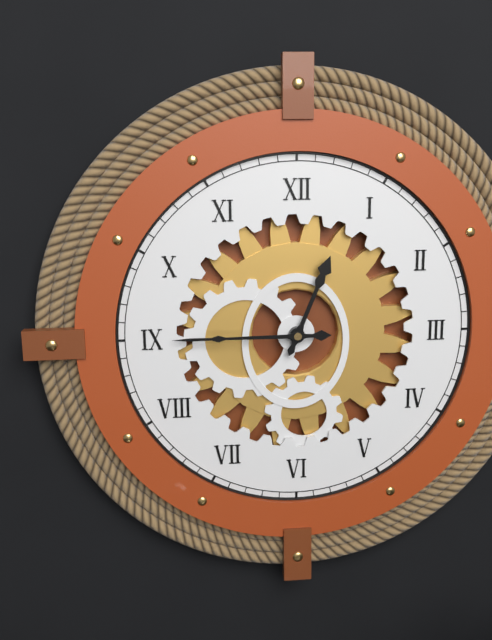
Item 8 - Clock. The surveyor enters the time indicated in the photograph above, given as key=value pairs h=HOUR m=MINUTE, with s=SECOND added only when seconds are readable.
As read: h=12 m=45
